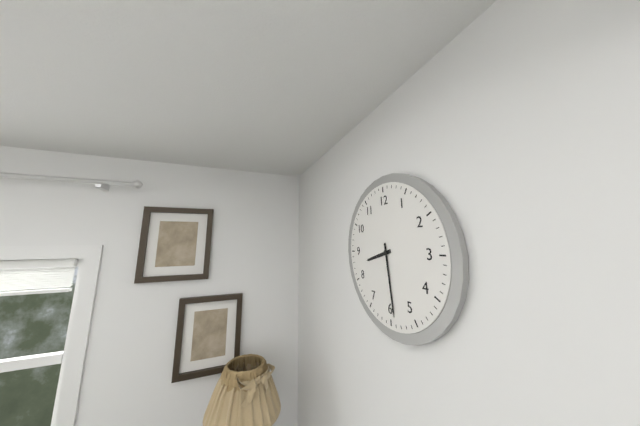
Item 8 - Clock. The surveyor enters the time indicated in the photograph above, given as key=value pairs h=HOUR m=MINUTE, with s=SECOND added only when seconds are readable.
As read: h=8 m=29
